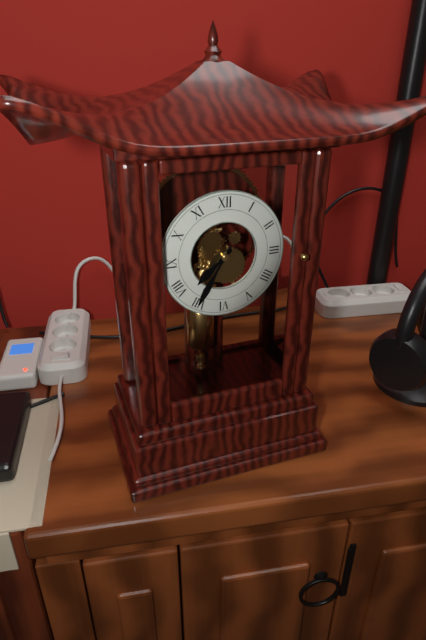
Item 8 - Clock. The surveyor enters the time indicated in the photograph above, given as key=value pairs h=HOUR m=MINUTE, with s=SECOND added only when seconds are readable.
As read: h=7 m=35
